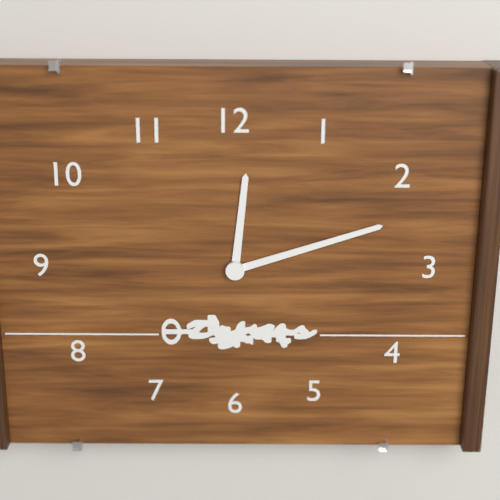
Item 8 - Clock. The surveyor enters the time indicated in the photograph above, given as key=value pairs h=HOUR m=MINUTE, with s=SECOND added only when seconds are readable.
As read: h=12 m=12
